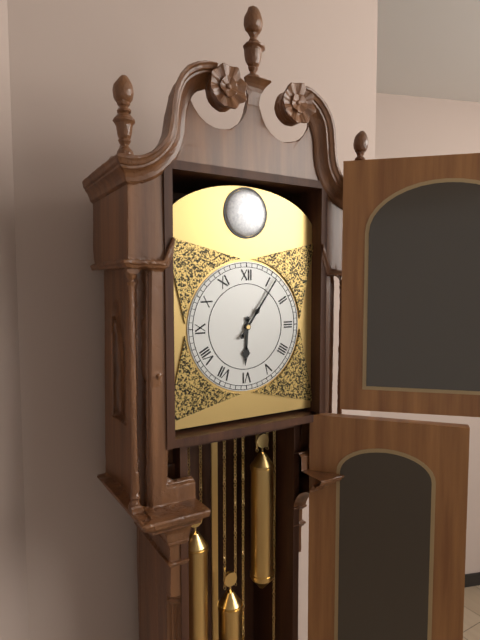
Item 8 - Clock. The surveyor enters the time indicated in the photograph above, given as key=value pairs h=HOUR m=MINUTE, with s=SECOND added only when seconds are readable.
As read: h=6 m=6
